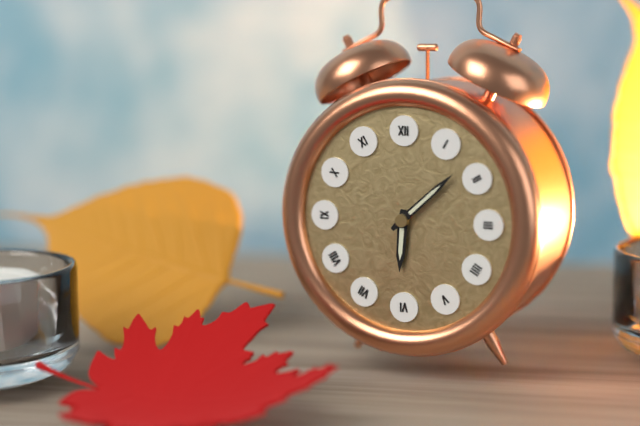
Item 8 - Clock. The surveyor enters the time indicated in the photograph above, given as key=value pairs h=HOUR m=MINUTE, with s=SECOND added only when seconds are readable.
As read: h=6 m=8
